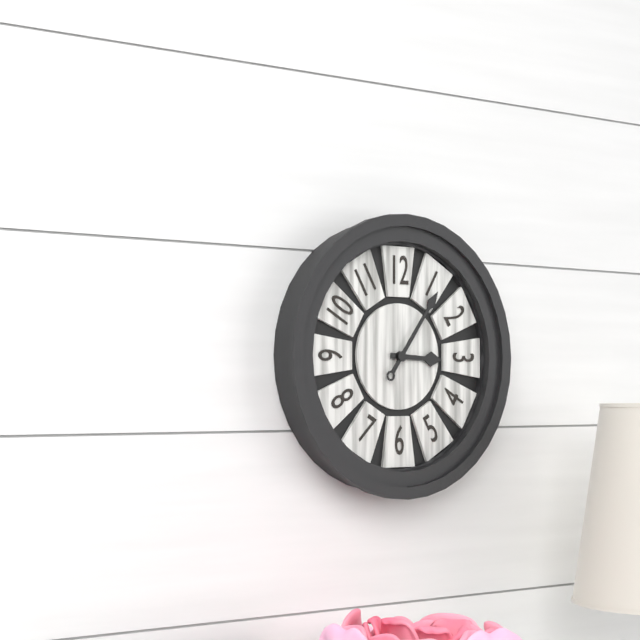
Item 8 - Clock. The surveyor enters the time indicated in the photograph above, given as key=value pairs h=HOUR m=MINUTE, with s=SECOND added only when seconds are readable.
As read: h=3 m=6
